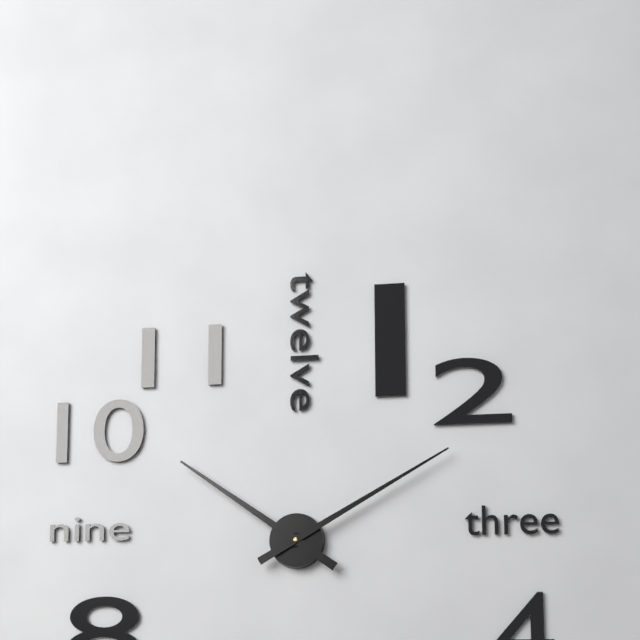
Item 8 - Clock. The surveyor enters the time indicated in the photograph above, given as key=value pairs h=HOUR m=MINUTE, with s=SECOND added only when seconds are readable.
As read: h=10 m=10
